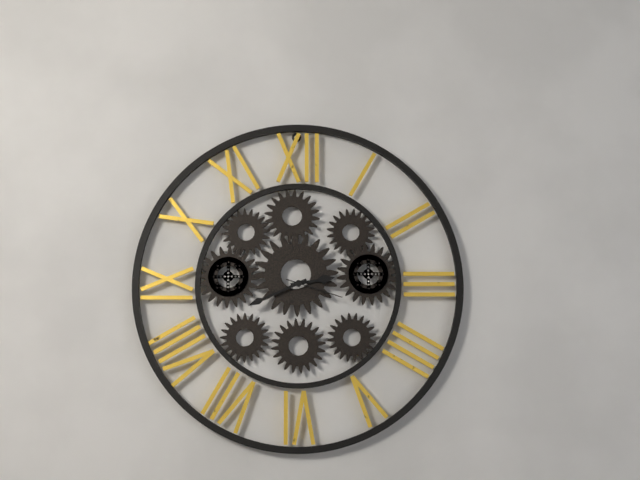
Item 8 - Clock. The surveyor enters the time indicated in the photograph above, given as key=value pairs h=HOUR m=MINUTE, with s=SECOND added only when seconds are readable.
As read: h=2 m=41 s=18
